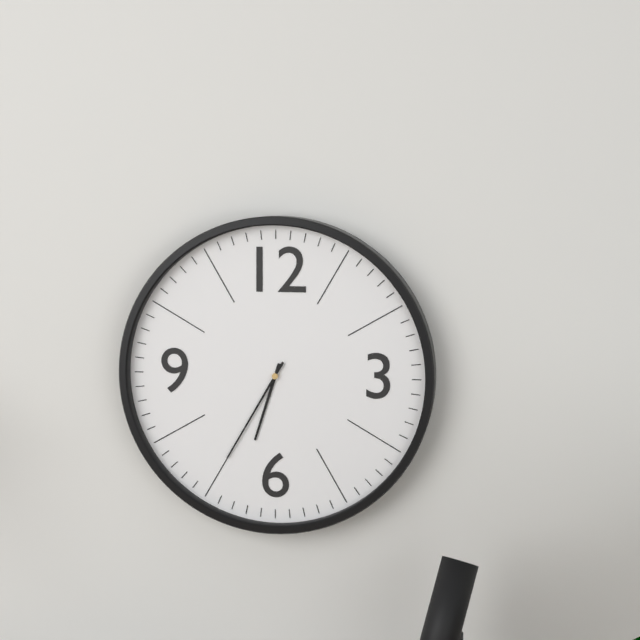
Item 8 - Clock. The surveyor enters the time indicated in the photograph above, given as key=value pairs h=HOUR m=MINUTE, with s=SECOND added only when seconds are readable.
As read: h=6 m=35
